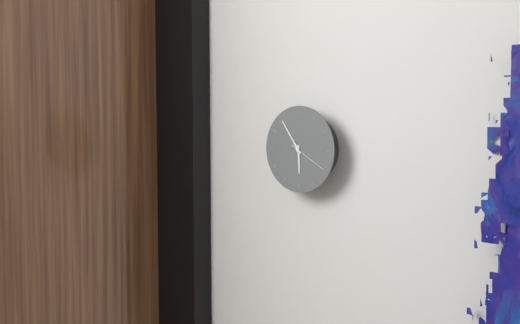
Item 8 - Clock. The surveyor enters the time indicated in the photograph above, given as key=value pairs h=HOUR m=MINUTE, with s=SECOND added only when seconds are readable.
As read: h=5 m=54
